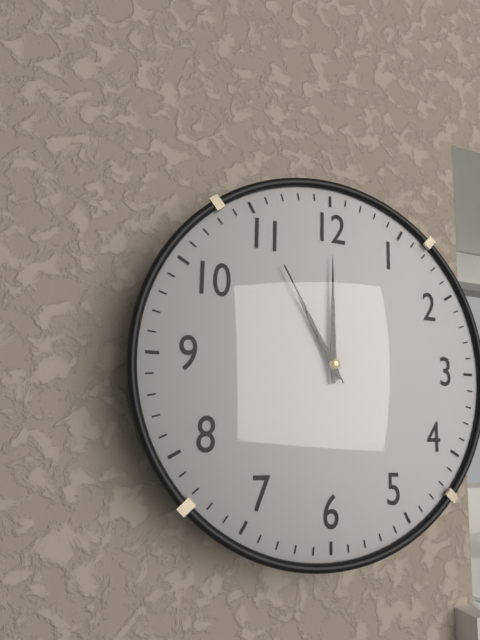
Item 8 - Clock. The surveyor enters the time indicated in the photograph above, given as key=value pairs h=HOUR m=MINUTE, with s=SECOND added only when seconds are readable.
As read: h=11 m=0 s=55
